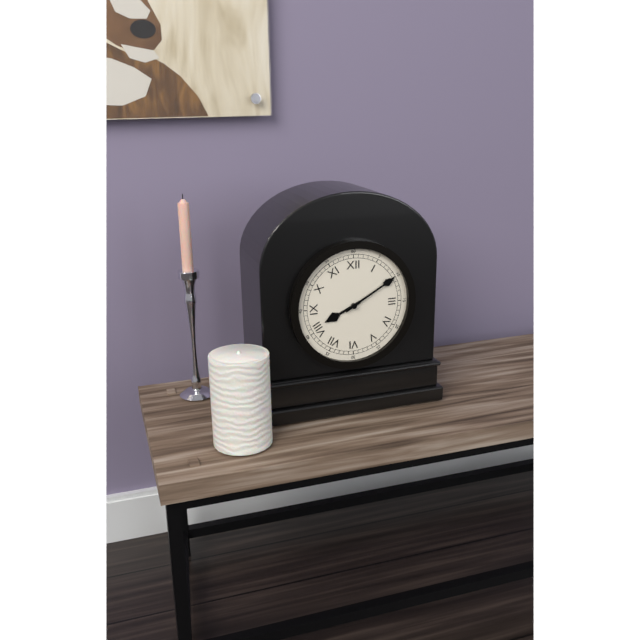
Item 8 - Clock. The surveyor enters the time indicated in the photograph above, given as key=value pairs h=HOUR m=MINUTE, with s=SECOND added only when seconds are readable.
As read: h=8 m=10
